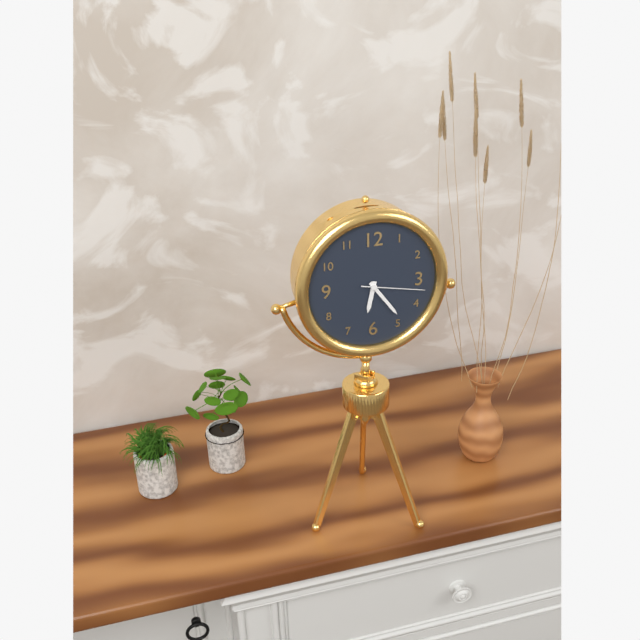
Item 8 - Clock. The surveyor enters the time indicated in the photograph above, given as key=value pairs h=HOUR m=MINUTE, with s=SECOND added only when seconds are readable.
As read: h=6 m=24 s=17
